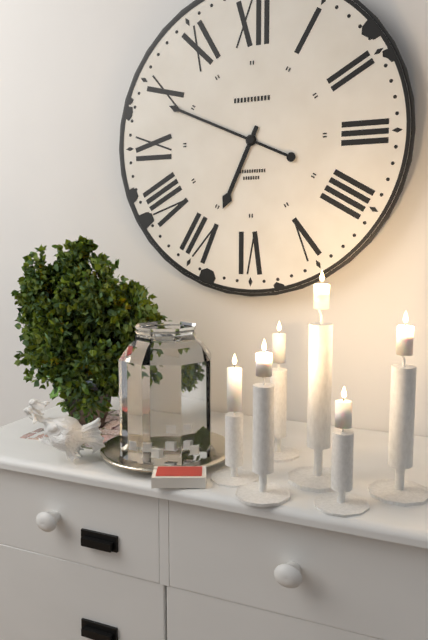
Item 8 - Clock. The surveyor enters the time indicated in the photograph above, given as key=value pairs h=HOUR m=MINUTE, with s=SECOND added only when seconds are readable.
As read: h=6 m=49
